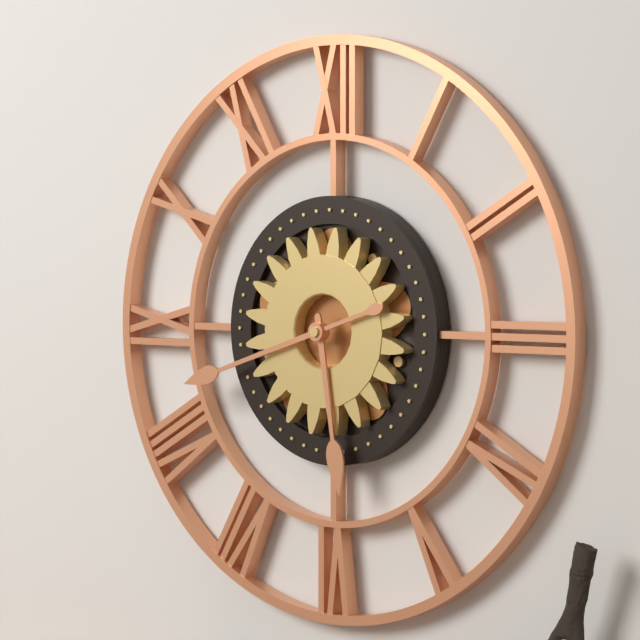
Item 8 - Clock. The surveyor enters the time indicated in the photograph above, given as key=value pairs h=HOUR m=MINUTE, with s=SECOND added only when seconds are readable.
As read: h=5 m=42
